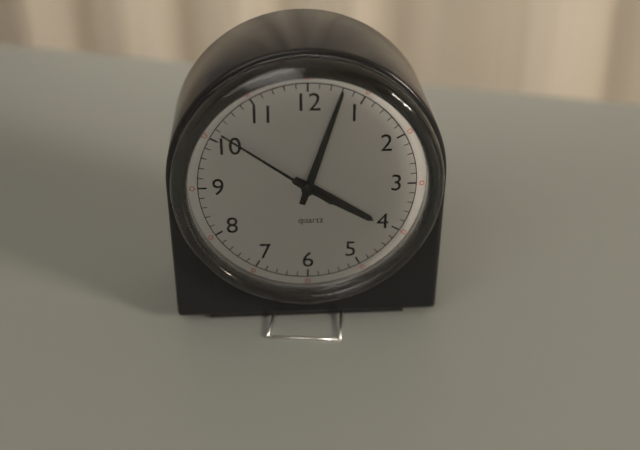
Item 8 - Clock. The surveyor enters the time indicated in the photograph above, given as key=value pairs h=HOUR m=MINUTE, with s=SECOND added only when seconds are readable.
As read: h=4 m=3 s=51
